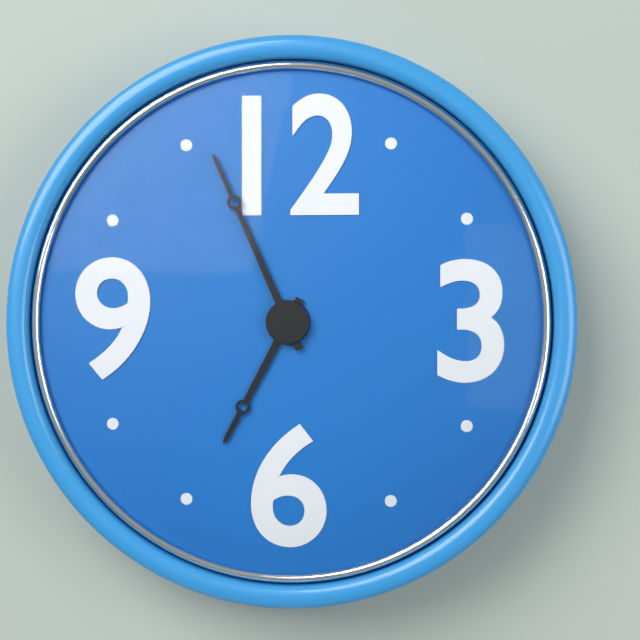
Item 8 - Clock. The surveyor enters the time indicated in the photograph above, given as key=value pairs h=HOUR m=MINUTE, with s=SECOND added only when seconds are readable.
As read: h=6 m=56
